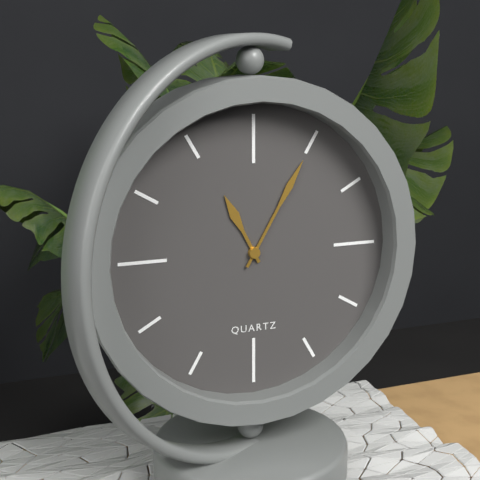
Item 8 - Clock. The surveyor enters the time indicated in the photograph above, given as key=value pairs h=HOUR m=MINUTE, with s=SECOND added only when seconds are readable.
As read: h=11 m=5
